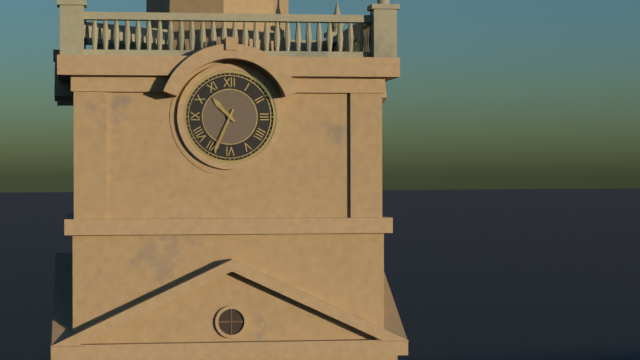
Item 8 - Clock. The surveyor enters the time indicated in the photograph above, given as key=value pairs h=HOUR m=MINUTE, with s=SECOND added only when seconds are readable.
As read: h=10 m=34
